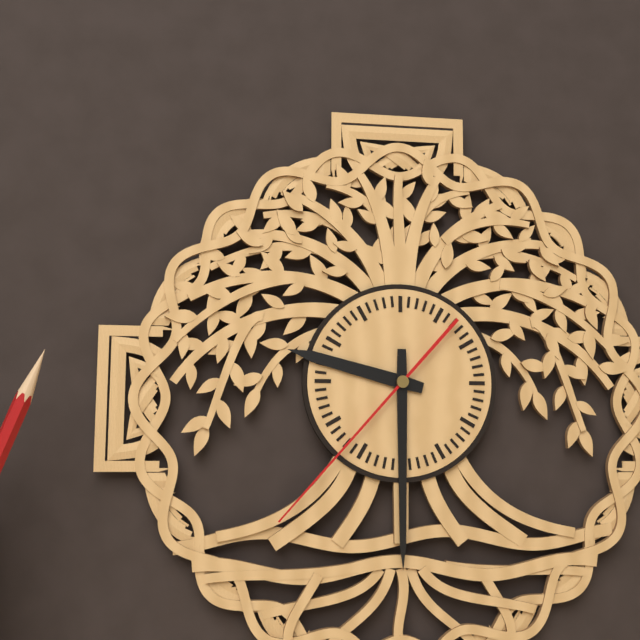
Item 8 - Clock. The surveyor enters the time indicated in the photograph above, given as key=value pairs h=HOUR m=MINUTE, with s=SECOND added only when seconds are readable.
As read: h=9 m=30 s=37
